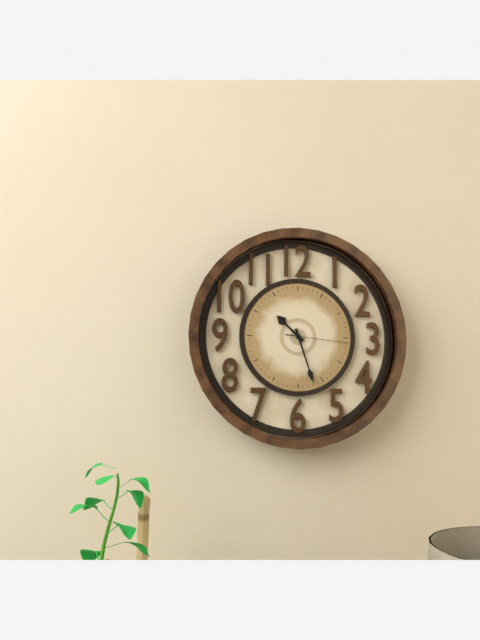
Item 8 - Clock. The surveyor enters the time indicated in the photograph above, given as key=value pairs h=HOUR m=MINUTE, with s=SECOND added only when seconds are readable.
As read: h=10 m=27 s=16
